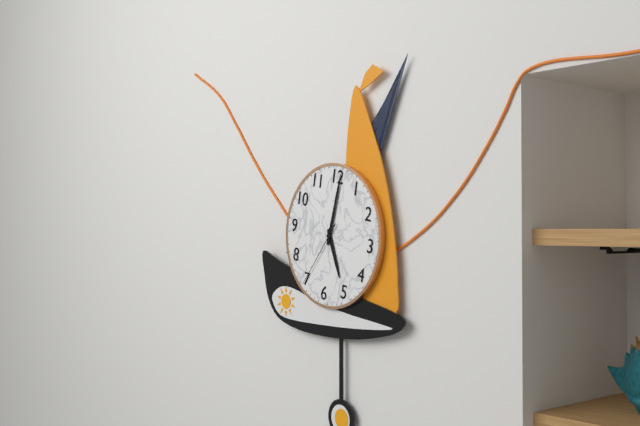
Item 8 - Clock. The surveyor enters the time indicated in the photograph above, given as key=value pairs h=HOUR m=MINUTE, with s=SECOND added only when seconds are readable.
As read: h=5 m=1 s=35
